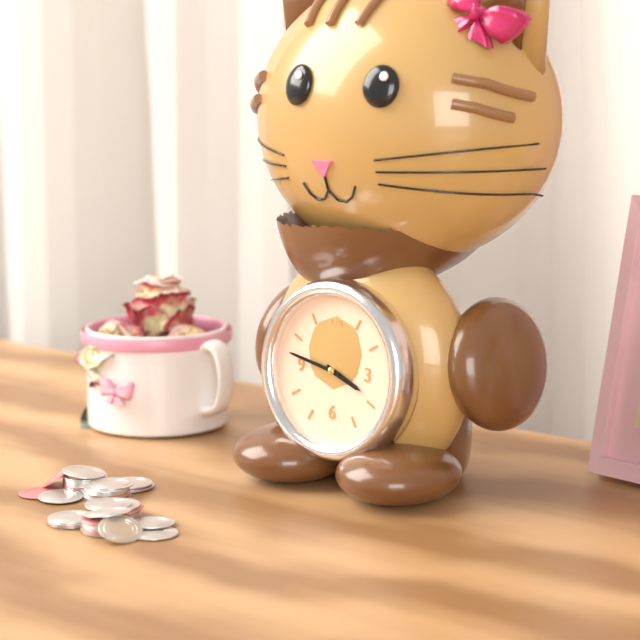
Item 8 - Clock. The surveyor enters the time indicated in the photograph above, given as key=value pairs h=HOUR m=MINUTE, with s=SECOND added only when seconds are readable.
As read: h=3 m=47
